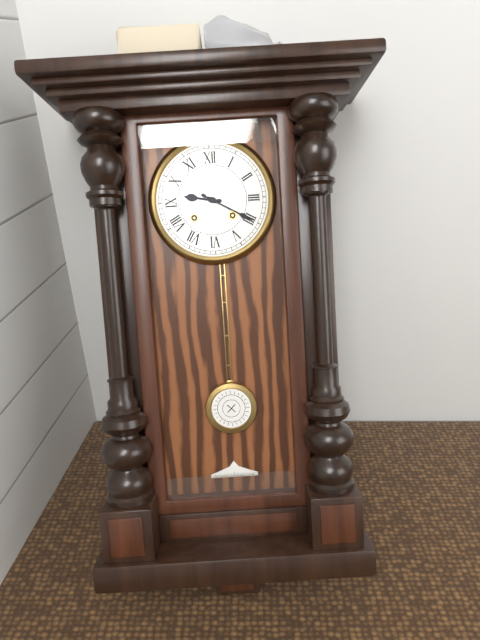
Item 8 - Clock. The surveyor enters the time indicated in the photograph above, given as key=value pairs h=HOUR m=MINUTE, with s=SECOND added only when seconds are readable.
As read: h=9 m=20
